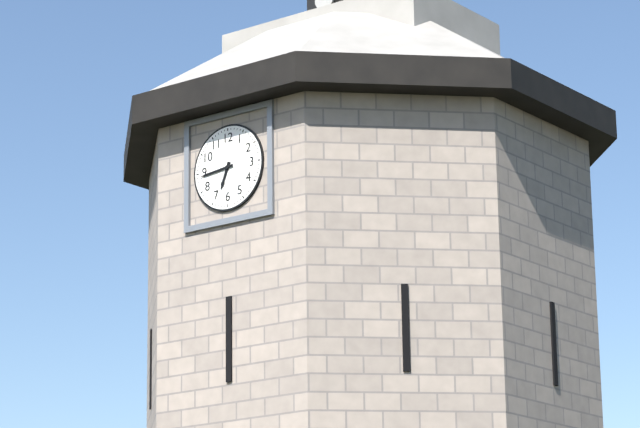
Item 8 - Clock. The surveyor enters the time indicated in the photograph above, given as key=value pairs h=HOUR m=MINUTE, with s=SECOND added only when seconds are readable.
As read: h=6 m=44
